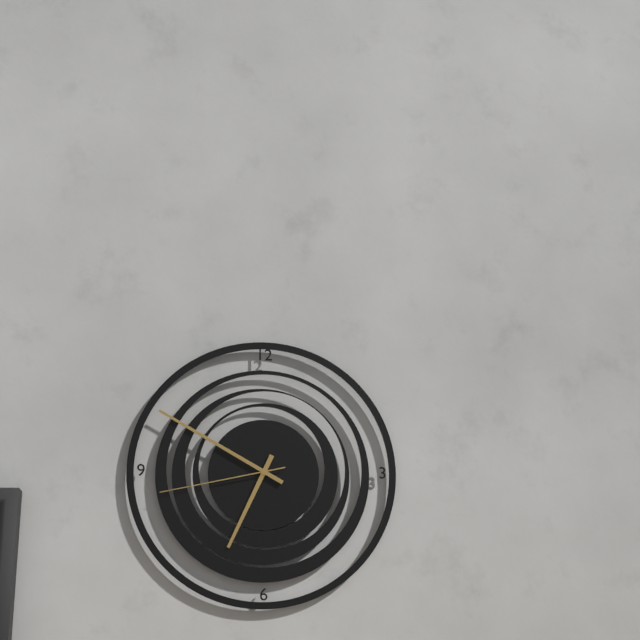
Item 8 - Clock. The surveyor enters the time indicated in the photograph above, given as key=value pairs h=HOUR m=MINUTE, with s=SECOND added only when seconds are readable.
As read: h=6 m=50 s=43
